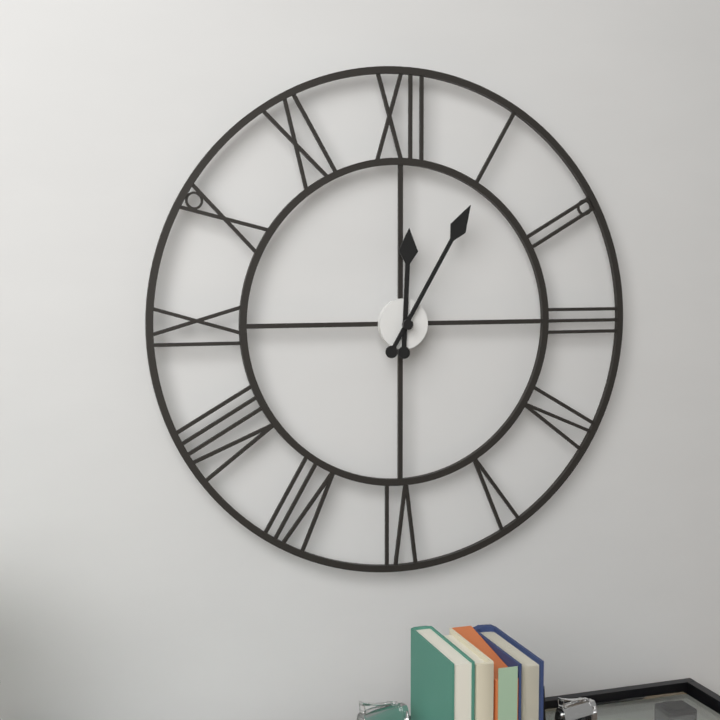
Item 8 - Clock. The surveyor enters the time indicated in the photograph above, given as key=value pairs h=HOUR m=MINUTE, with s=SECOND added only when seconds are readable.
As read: h=12 m=5
